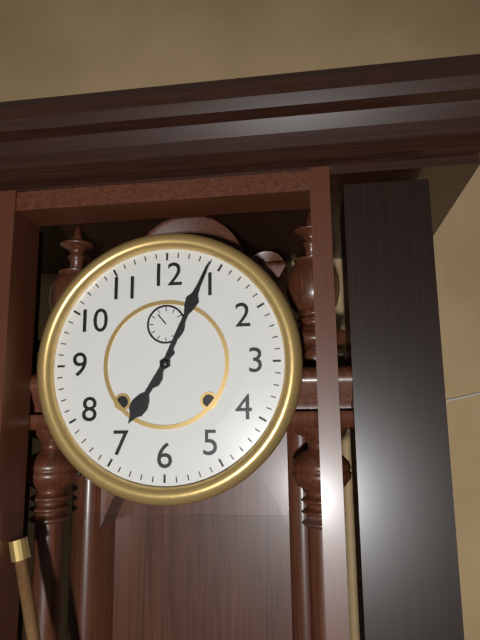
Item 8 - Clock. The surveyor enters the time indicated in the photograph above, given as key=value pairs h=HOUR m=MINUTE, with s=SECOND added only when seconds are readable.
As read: h=7 m=4
